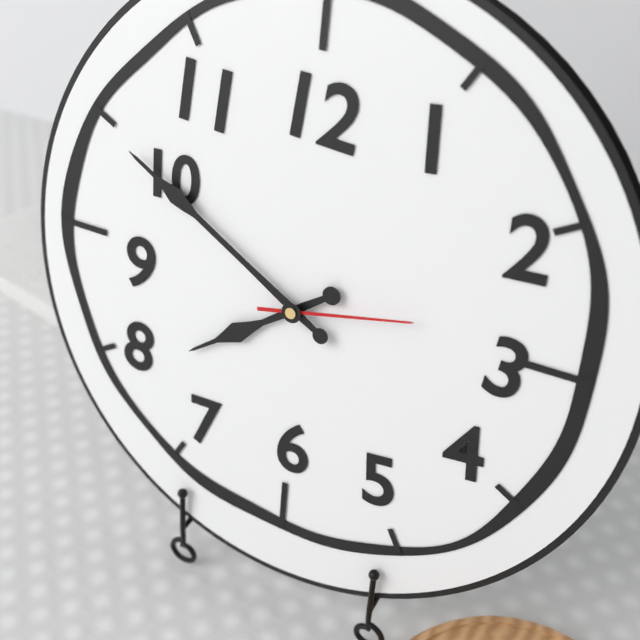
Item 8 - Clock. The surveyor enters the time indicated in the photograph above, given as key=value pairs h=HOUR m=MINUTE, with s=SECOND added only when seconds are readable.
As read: h=7 m=50 s=13
